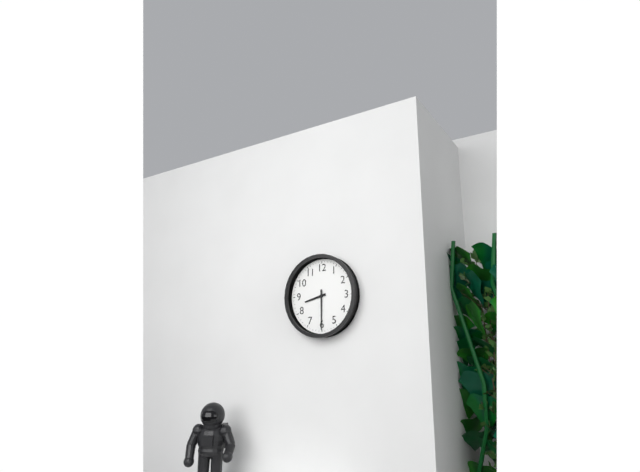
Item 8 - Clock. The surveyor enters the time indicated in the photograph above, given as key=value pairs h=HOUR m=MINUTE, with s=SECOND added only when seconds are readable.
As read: h=8 m=30
